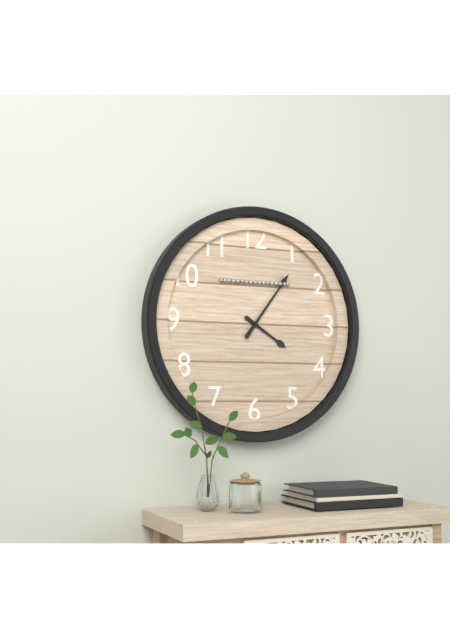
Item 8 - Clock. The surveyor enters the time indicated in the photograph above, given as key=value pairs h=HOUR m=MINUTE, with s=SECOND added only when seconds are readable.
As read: h=4 m=6
